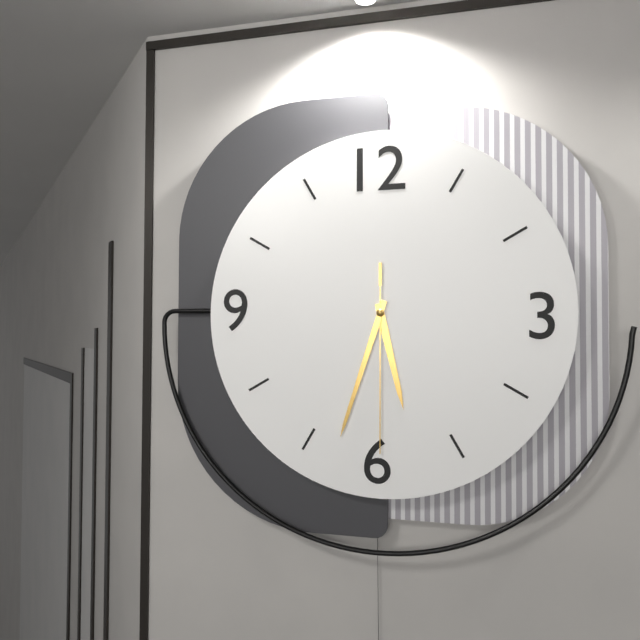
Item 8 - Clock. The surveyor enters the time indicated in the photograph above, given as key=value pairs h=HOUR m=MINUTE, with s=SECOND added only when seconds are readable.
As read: h=5 m=33 s=30
